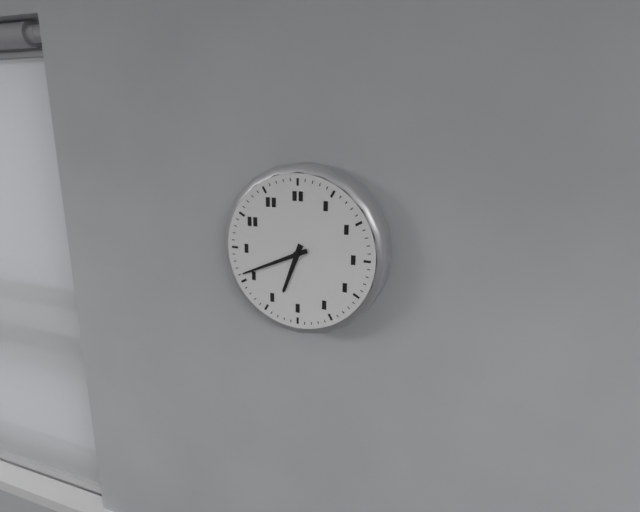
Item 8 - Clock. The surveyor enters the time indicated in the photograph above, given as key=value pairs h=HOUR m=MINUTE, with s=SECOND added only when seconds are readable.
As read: h=6 m=41
